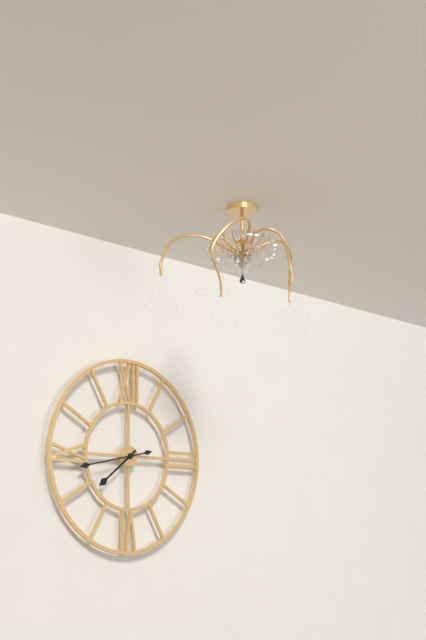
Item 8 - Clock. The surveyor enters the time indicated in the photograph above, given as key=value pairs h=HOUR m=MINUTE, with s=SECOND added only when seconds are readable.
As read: h=7 m=43
